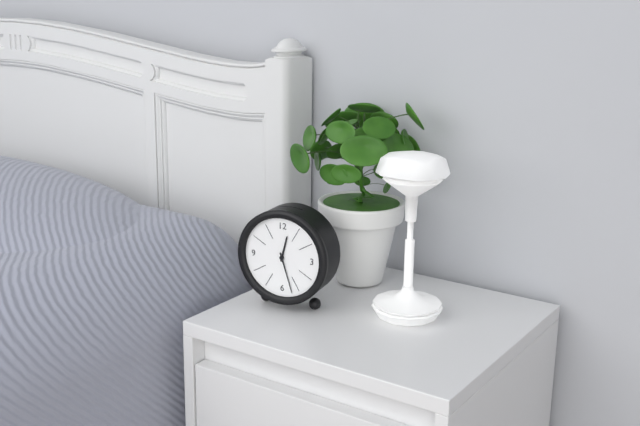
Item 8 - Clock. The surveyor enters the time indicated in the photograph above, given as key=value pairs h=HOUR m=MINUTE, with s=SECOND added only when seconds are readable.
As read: h=12 m=27
